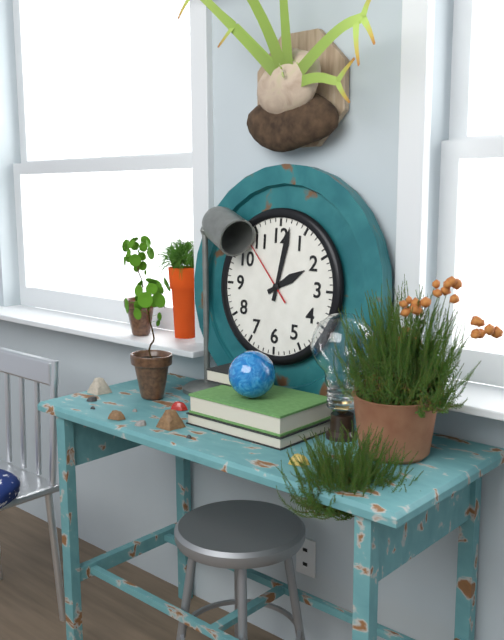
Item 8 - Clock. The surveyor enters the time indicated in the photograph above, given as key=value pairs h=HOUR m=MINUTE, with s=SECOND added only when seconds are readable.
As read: h=2 m=2 s=53
